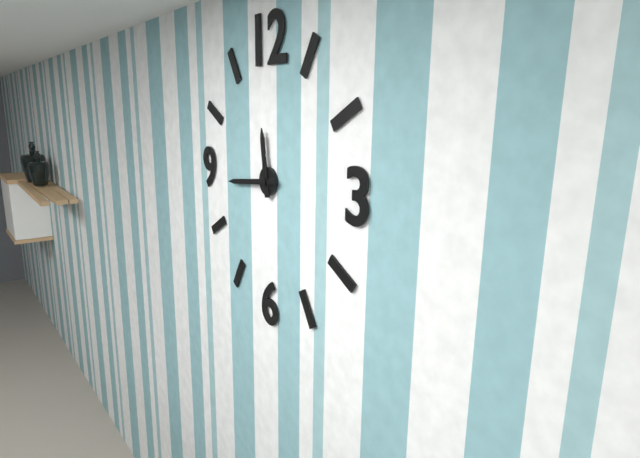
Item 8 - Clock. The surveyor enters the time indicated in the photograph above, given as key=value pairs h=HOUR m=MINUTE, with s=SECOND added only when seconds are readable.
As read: h=11 m=44
